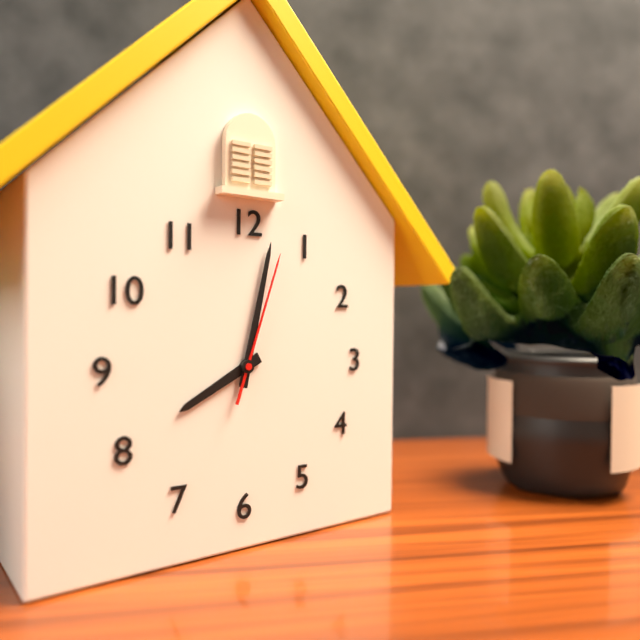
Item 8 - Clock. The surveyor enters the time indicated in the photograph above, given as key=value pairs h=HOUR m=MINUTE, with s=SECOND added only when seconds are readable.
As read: h=8 m=2 s=3
